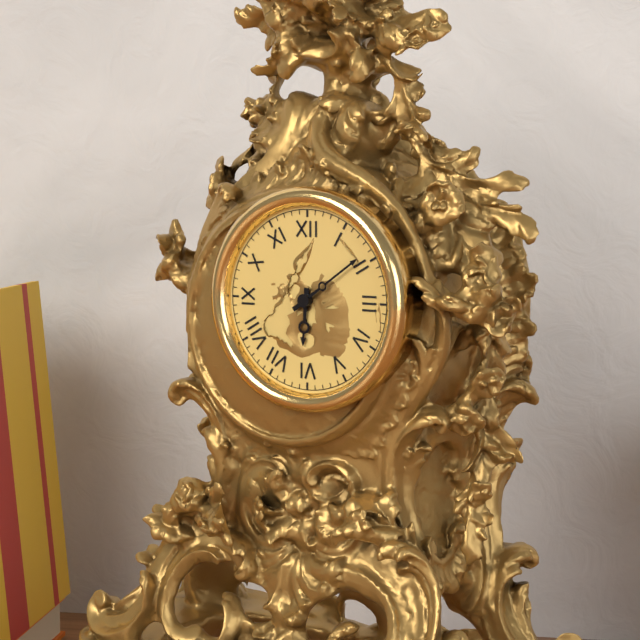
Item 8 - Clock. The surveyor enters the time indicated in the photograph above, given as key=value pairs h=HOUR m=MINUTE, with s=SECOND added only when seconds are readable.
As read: h=6 m=9
